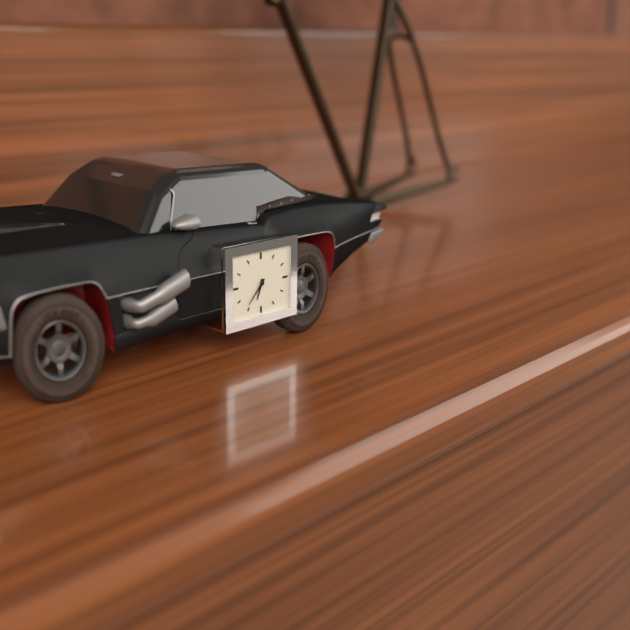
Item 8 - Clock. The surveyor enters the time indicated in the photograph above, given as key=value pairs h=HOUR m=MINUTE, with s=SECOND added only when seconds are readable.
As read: h=6 m=37
